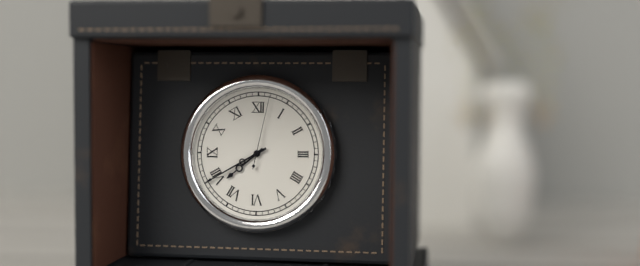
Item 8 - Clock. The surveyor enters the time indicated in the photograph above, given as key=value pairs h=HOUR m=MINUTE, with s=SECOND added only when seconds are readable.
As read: h=7 m=40 s=2
